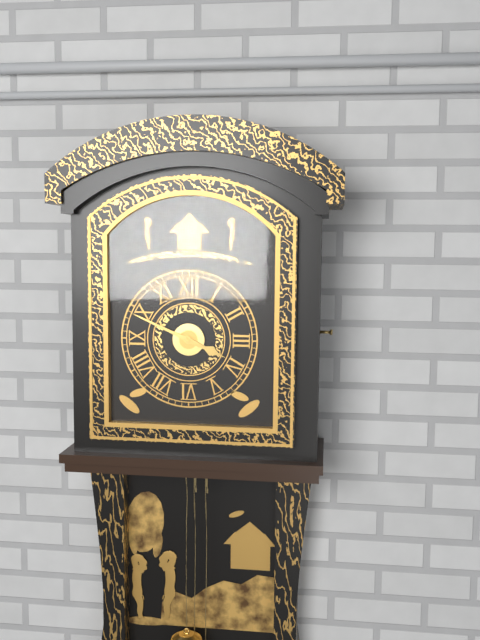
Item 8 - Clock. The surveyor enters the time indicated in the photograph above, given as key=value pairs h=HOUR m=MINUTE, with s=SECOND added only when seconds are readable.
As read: h=3 m=49
